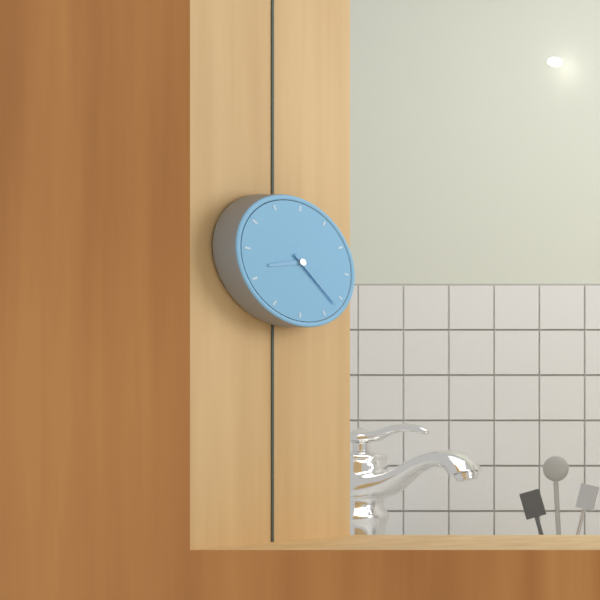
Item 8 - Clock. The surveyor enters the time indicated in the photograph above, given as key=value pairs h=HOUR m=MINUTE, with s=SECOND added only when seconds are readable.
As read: h=8 m=22
